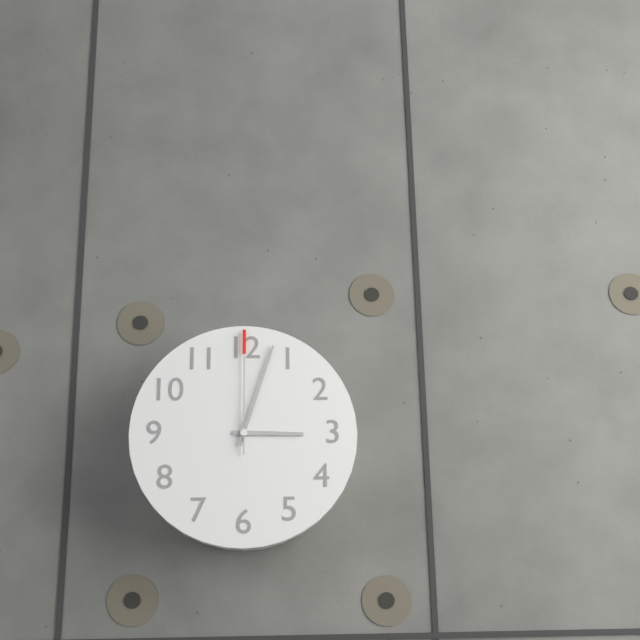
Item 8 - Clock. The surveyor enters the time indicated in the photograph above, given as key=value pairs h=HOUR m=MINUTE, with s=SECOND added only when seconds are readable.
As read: h=3 m=3 s=0
